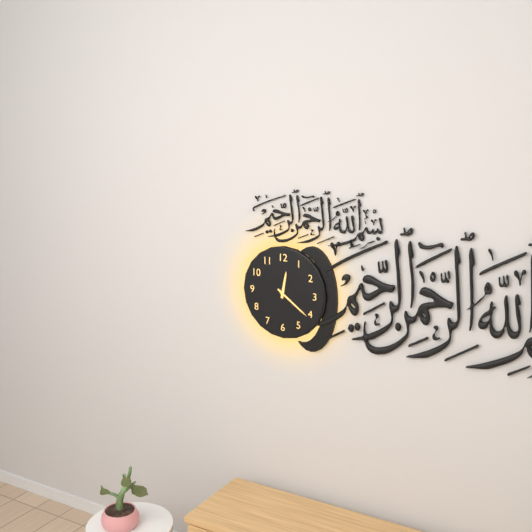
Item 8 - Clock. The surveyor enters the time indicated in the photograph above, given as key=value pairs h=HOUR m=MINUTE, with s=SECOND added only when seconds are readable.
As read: h=12 m=21
